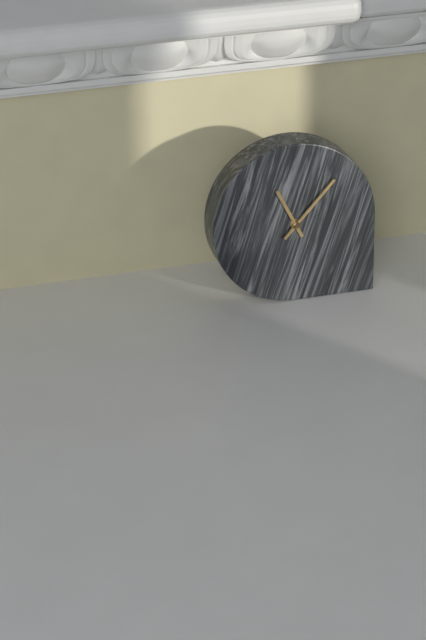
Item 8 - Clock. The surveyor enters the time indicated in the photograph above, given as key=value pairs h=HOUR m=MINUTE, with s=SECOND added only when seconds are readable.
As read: h=11 m=7
